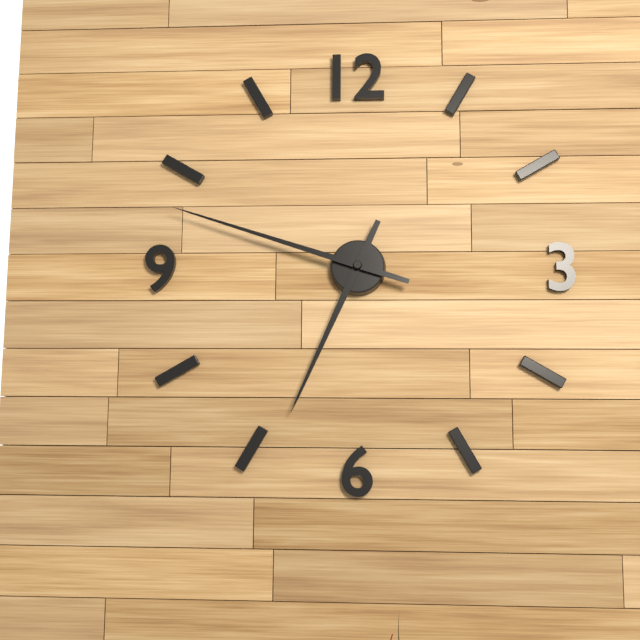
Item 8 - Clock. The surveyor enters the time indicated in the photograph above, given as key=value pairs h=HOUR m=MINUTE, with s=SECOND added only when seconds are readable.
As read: h=6 m=48
